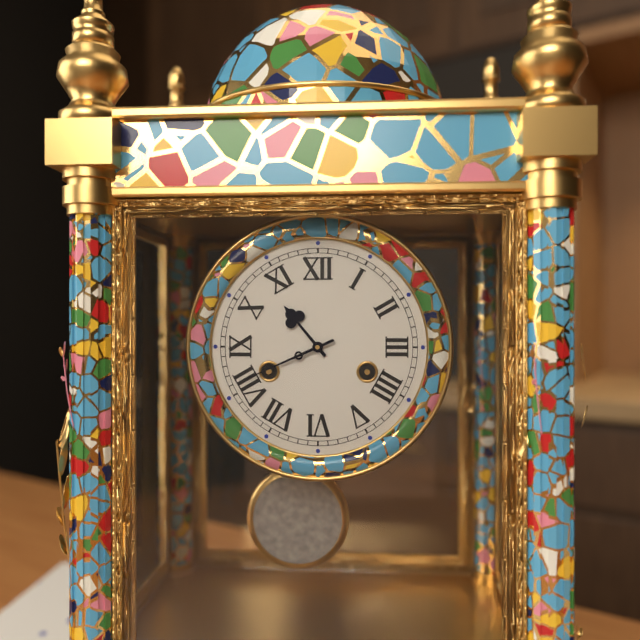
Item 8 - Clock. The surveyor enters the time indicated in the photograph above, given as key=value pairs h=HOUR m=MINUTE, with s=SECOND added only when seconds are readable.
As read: h=10 m=41
